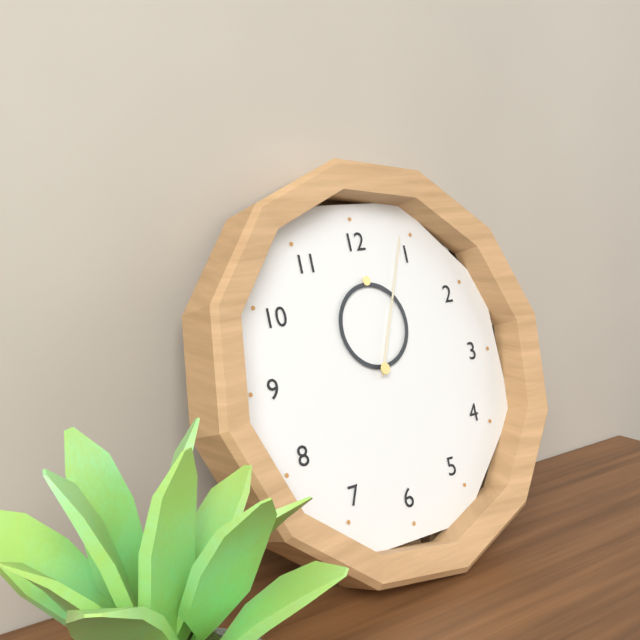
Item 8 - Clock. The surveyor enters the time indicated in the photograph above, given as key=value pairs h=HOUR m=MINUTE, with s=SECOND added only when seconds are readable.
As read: h=12 m=4
